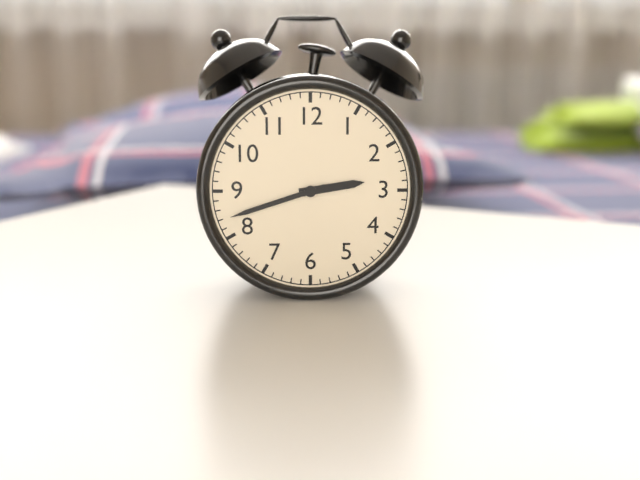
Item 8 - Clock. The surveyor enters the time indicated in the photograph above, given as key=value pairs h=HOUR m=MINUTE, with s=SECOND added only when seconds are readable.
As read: h=2 m=42
